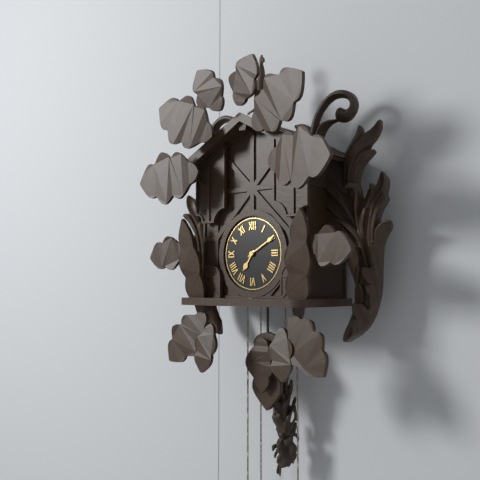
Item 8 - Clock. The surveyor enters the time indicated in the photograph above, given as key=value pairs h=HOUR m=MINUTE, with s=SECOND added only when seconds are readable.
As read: h=7 m=10
